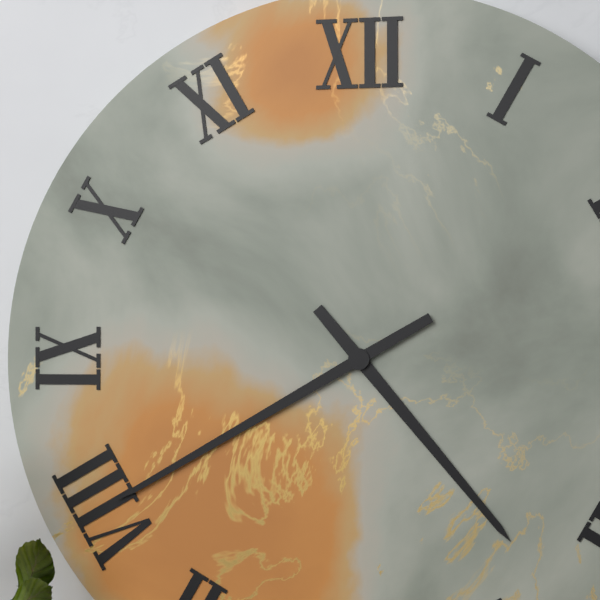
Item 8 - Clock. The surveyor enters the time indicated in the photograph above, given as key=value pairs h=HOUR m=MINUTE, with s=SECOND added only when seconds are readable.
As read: h=4 m=40
